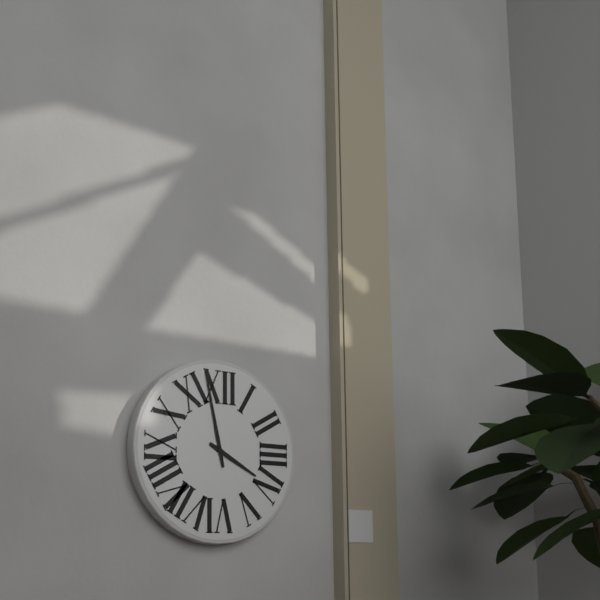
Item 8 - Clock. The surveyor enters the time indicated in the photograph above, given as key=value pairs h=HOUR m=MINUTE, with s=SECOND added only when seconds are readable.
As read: h=3 m=58
